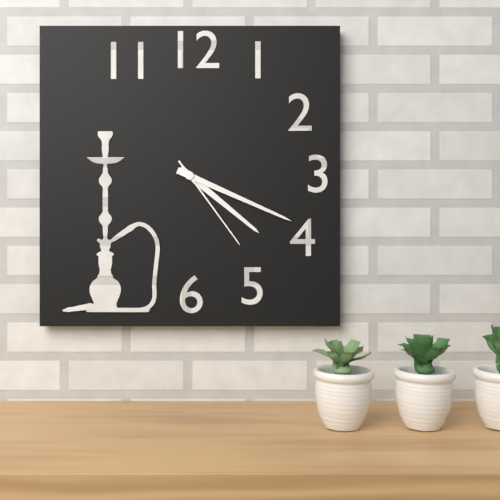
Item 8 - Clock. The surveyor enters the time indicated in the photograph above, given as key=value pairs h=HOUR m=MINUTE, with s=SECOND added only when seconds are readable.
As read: h=4 m=19 s=24
